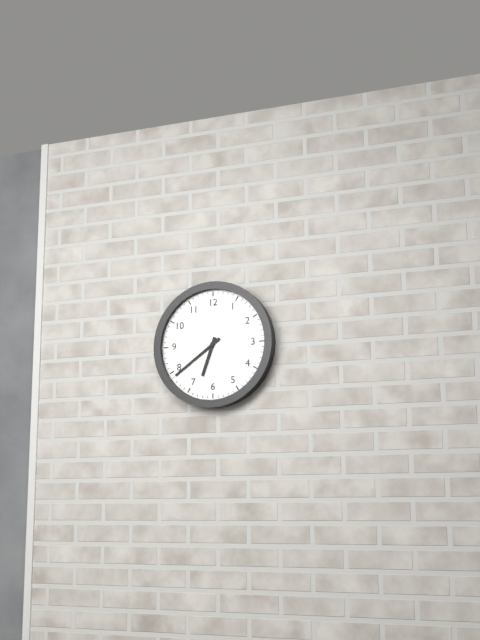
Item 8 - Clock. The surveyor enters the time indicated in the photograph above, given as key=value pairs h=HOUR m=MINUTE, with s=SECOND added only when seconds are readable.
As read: h=6 m=39
